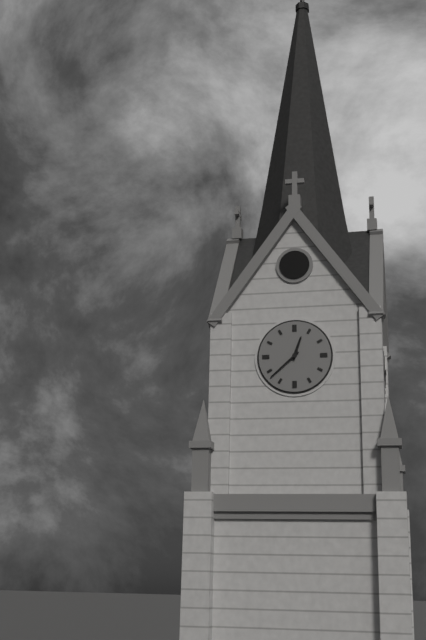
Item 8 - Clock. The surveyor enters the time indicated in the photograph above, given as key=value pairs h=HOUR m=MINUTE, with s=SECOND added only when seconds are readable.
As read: h=12 m=38
